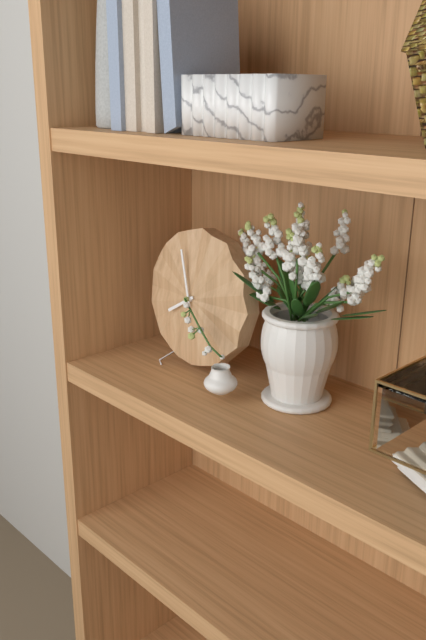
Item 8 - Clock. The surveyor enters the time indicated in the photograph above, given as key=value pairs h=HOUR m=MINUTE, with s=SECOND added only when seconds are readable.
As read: h=7 m=57
